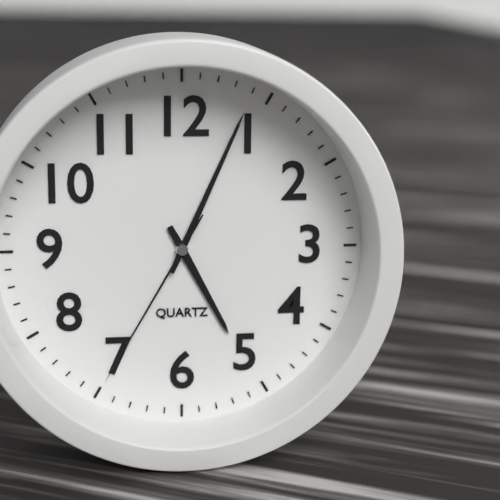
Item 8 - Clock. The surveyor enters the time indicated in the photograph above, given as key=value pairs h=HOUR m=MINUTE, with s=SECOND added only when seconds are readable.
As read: h=5 m=4 s=35
